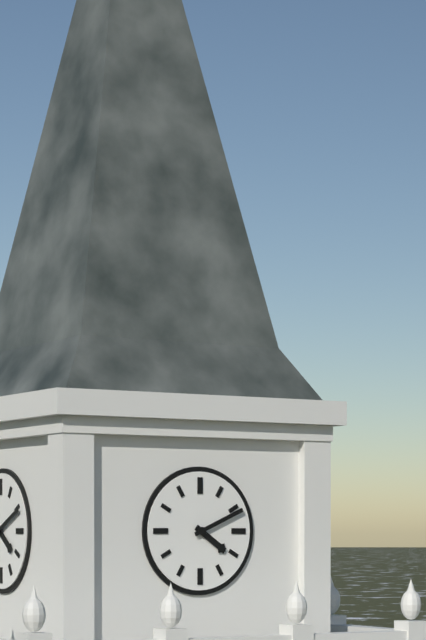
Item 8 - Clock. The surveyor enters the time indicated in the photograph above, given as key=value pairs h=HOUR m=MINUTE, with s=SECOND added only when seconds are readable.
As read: h=4 m=11
